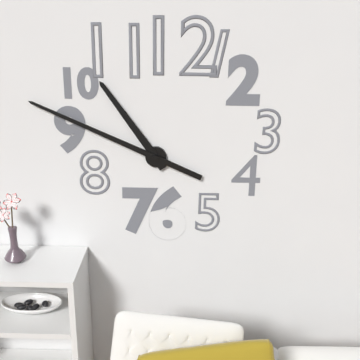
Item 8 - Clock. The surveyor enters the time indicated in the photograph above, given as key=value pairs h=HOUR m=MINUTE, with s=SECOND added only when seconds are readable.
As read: h=10 m=49
